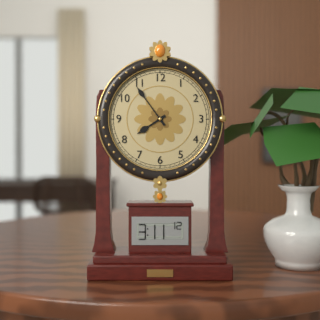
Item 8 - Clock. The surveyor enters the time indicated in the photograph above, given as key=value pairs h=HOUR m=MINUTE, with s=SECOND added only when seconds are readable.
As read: h=7 m=54
